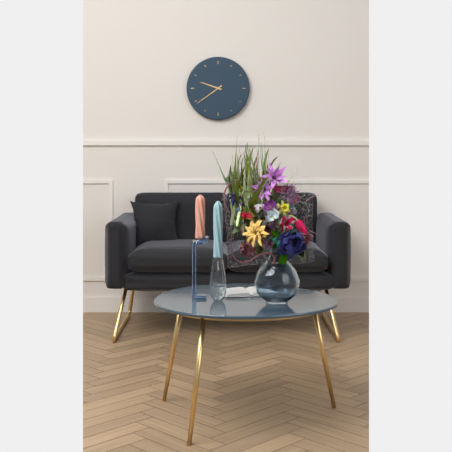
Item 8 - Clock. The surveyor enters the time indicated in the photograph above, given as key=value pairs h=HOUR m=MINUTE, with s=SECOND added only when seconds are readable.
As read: h=9 m=39
